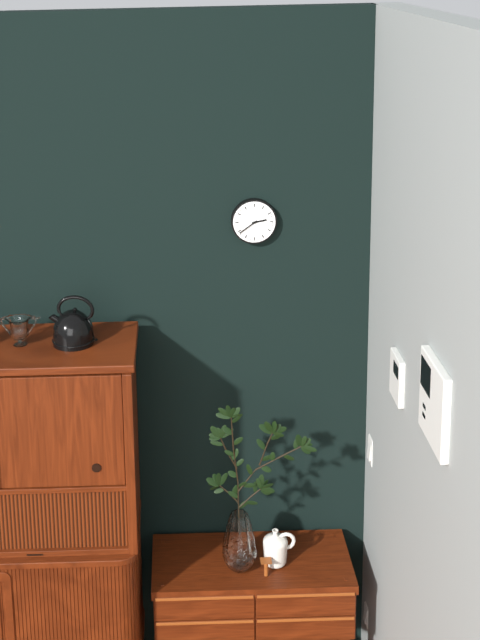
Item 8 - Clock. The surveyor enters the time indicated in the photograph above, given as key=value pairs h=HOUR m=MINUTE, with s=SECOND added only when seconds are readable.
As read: h=2 m=39
